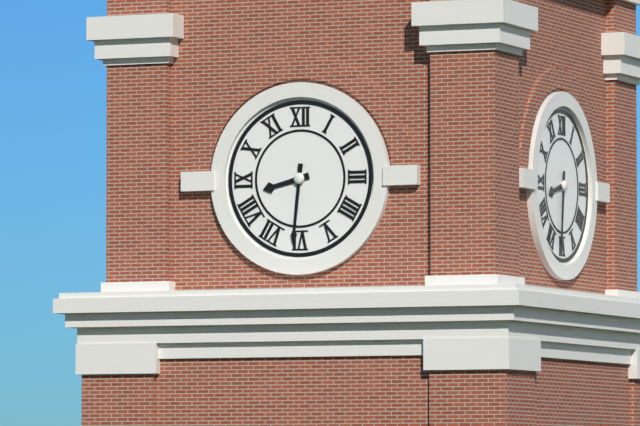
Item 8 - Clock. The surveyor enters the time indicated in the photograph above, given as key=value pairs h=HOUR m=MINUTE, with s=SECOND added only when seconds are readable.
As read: h=8 m=31
